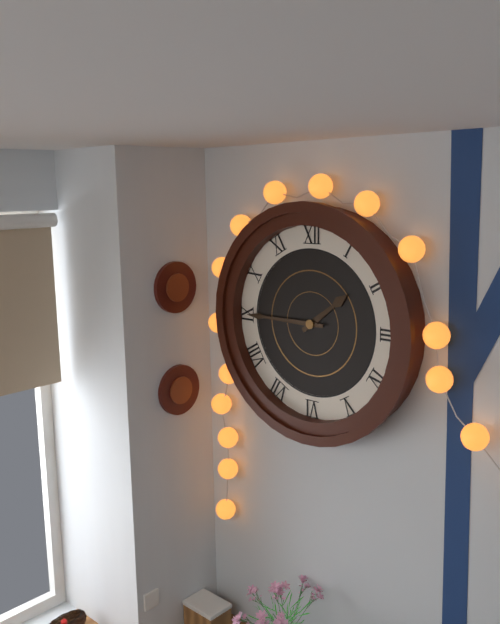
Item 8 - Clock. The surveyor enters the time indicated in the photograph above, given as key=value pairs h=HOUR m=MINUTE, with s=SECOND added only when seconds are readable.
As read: h=1 m=45
